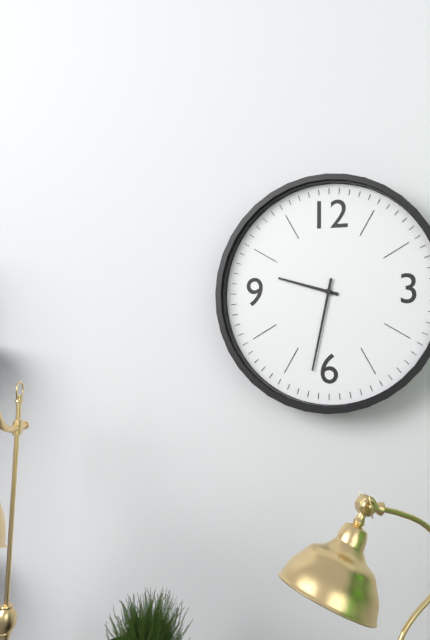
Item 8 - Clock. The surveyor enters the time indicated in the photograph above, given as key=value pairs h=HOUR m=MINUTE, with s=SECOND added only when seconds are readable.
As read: h=9 m=32
